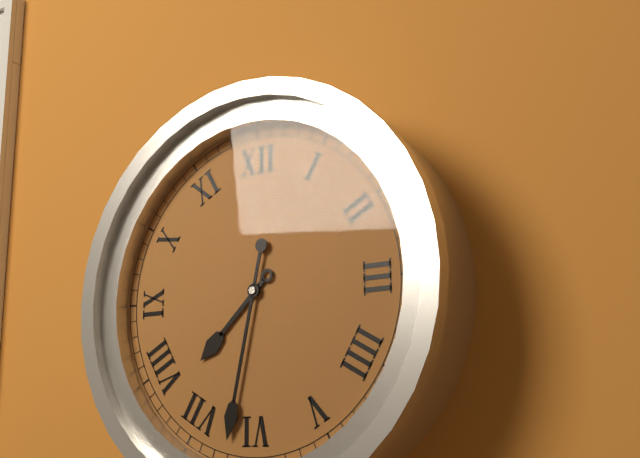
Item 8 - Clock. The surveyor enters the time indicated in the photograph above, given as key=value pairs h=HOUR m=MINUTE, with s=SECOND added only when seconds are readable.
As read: h=7 m=32
